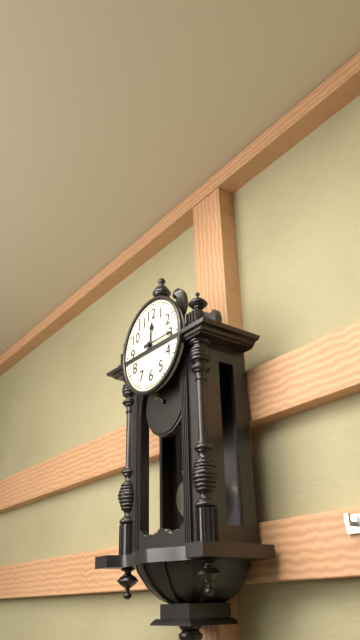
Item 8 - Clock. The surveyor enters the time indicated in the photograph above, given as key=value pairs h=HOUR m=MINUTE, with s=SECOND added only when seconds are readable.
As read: h=12 m=15
